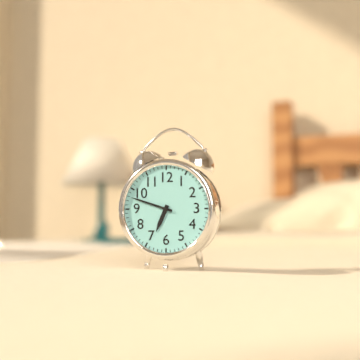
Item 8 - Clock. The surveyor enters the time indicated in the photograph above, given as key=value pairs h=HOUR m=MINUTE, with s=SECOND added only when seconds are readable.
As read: h=6 m=48
